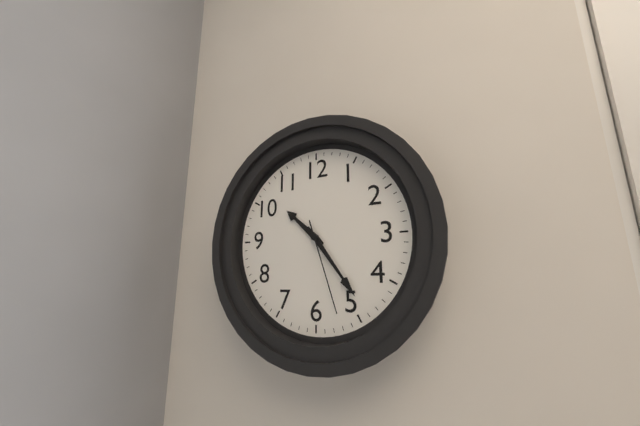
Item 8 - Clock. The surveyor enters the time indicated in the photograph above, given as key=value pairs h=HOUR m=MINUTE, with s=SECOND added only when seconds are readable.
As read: h=10 m=24 s=27
